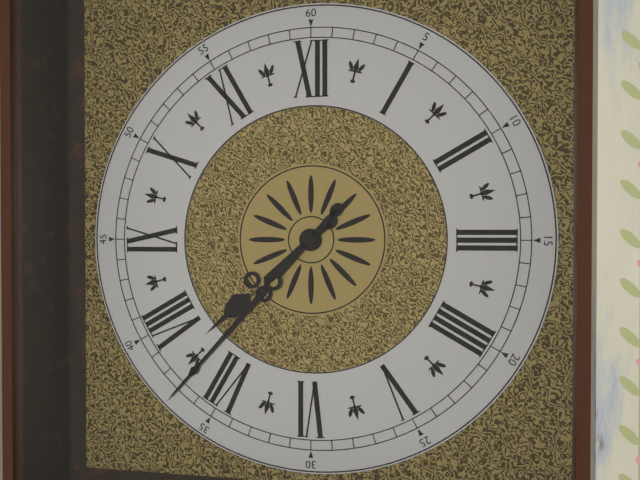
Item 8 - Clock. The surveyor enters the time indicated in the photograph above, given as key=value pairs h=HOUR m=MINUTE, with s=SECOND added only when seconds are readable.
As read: h=7 m=37
